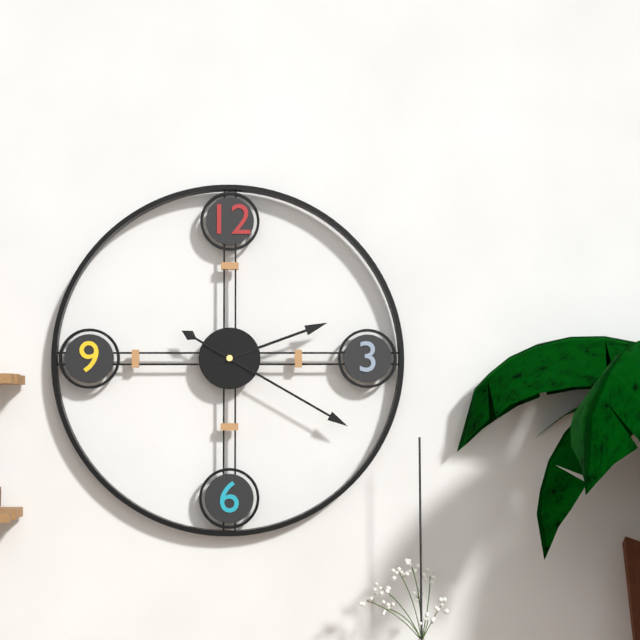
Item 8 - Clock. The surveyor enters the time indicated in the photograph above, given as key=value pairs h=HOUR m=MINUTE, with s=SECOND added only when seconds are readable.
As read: h=2 m=20
